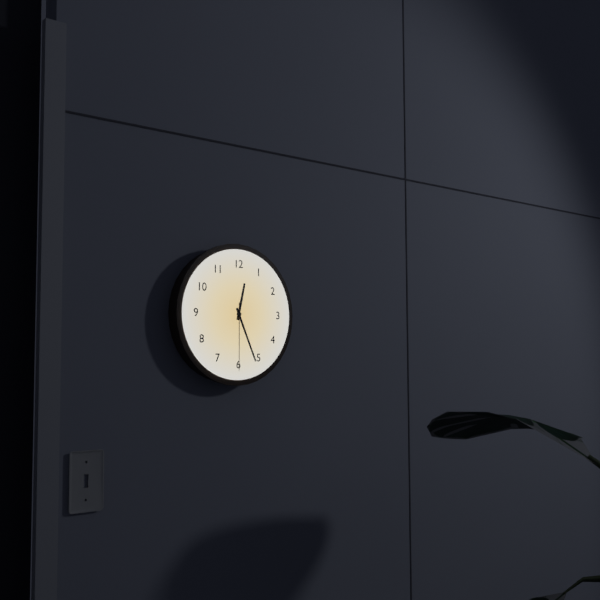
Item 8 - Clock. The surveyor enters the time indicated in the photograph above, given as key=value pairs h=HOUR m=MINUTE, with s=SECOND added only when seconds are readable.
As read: h=12 m=26 s=30
